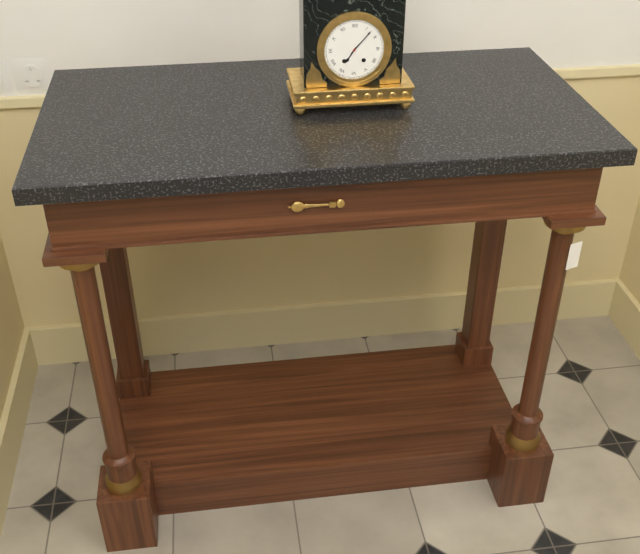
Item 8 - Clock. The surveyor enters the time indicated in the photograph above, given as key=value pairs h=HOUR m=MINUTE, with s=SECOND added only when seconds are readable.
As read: h=7 m=7
